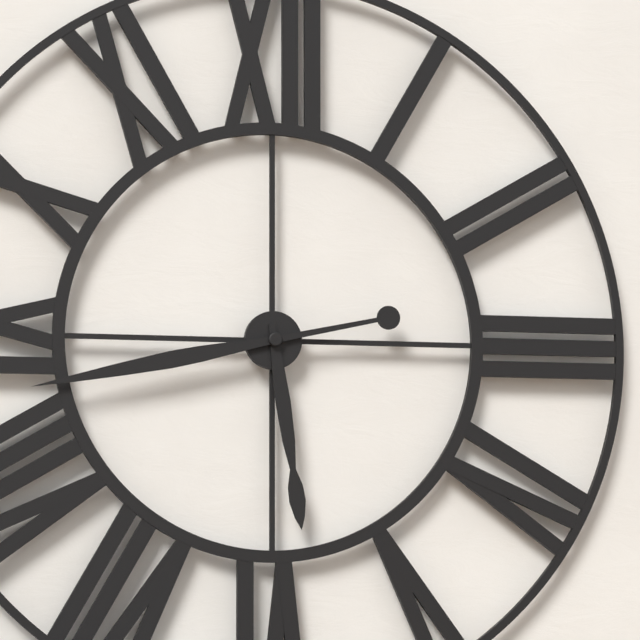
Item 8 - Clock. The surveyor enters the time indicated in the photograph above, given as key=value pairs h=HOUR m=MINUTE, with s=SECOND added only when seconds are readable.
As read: h=5 m=43
